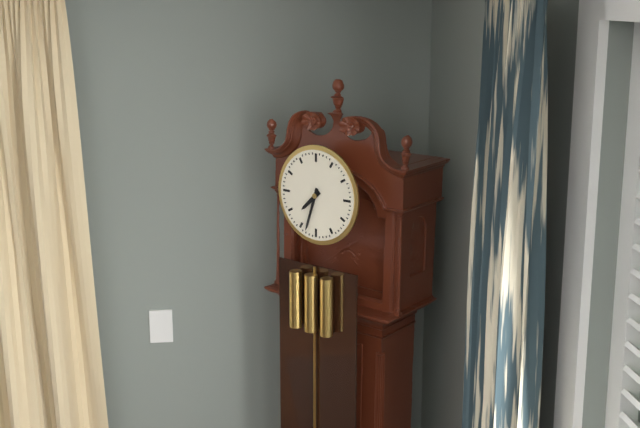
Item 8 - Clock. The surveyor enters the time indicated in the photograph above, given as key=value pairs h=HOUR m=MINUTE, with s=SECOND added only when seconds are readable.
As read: h=7 m=33
